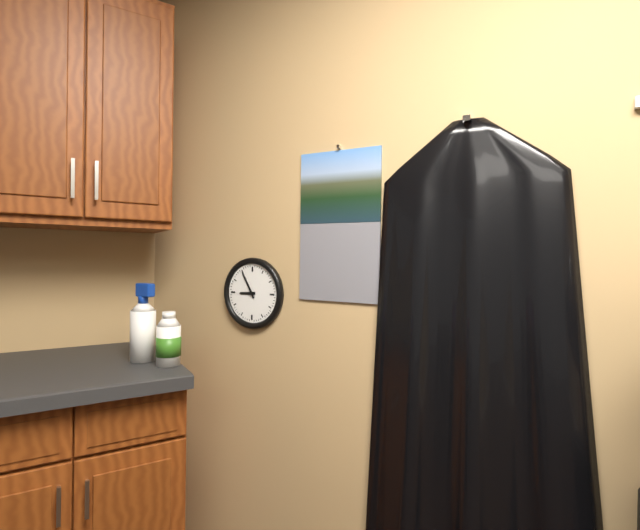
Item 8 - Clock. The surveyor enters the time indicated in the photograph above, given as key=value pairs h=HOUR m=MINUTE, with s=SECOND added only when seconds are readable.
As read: h=8 m=55
